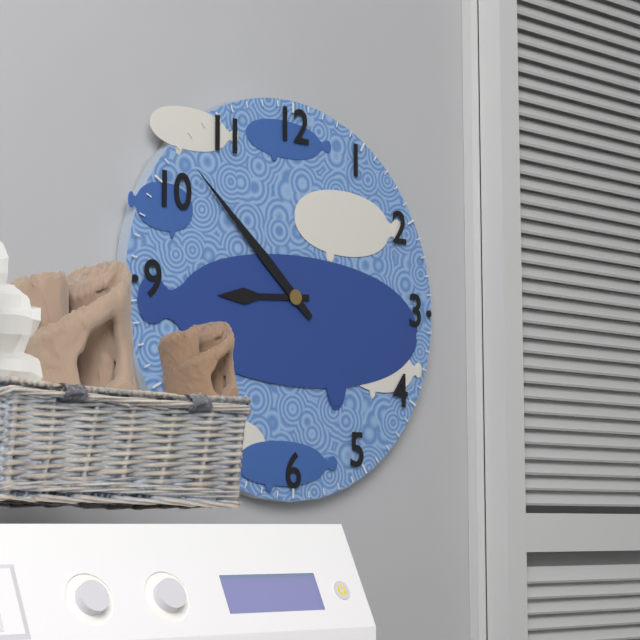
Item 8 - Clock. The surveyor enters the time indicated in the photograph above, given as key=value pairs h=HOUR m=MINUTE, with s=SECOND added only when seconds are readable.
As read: h=8 m=52
